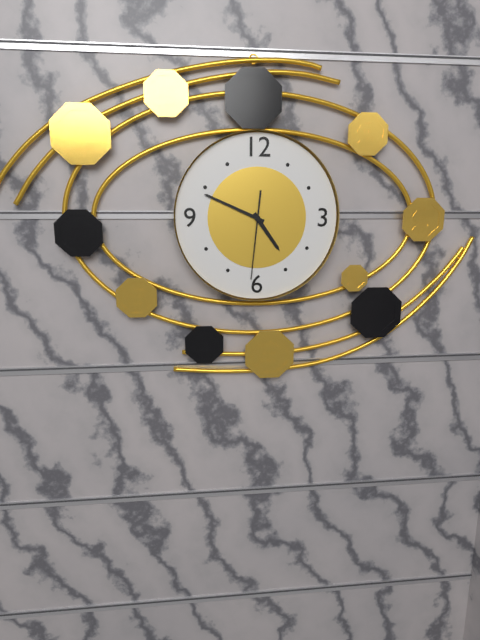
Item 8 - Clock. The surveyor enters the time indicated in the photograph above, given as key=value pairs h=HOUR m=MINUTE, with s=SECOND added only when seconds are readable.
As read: h=4 m=49 s=31
